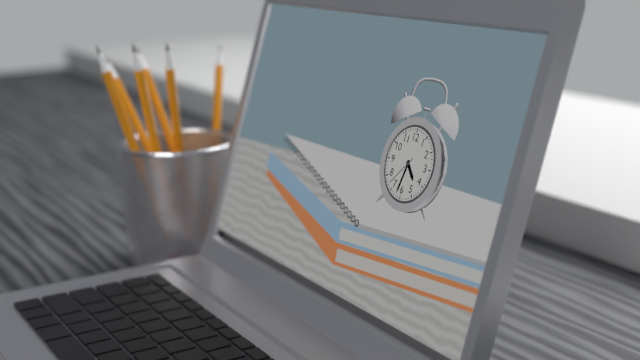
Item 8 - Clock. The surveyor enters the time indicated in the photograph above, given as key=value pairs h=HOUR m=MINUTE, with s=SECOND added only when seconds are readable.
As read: h=4 m=32
